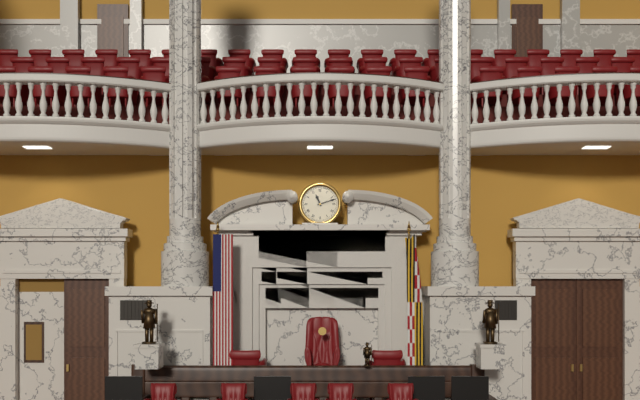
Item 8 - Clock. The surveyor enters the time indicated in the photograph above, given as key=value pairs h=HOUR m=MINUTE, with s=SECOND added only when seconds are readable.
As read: h=11 m=12
